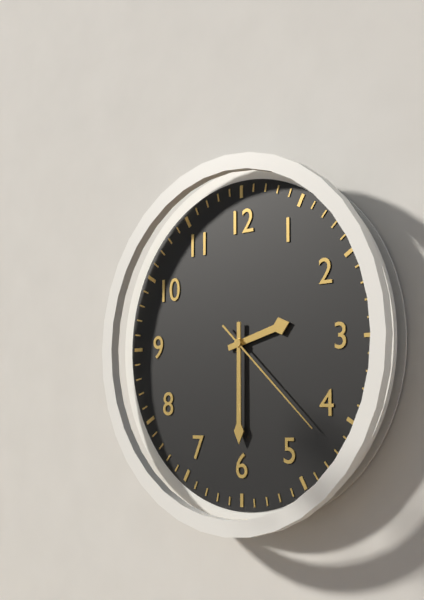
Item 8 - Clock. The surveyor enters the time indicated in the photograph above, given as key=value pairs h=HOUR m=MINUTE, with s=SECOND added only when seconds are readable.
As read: h=2 m=30 s=22
